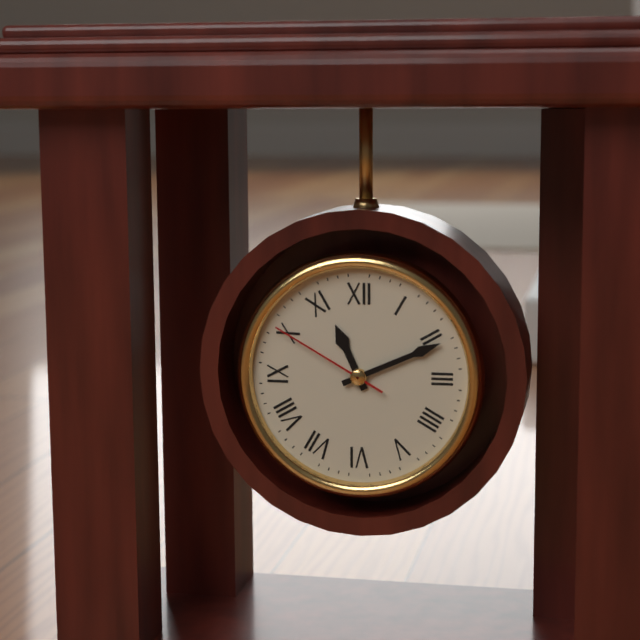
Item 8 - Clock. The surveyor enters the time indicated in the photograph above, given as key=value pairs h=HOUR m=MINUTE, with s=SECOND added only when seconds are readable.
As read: h=11 m=11 s=50
